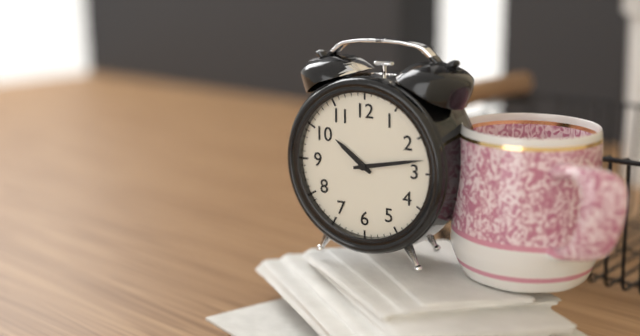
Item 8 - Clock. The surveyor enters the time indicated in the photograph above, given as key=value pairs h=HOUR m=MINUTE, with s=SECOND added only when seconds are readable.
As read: h=10 m=13
